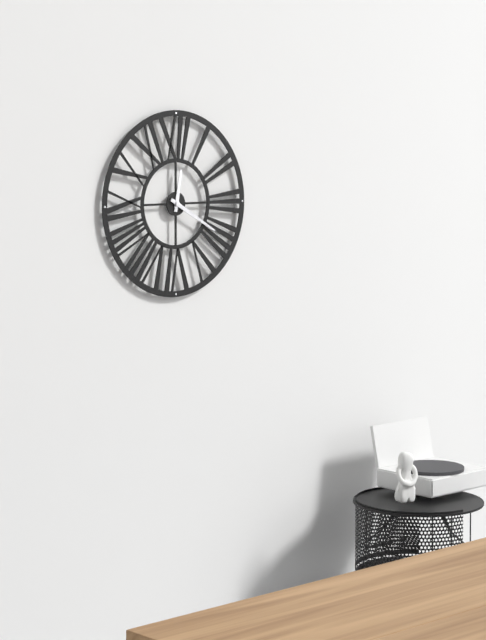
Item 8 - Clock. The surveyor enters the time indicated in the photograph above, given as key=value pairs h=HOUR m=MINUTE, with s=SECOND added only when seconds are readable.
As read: h=12 m=20
